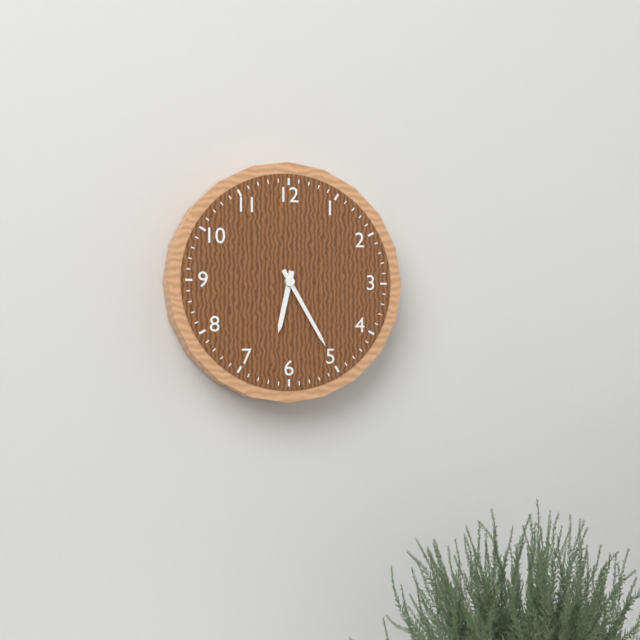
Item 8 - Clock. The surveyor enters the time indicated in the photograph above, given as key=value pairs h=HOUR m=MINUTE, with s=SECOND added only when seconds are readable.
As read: h=6 m=25
